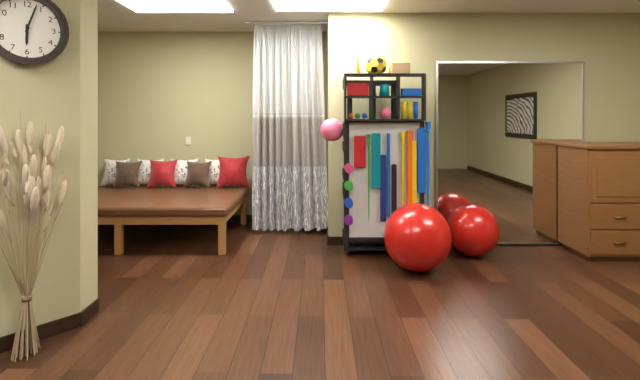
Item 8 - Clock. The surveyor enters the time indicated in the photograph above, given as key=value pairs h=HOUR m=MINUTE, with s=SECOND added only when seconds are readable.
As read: h=6 m=3
